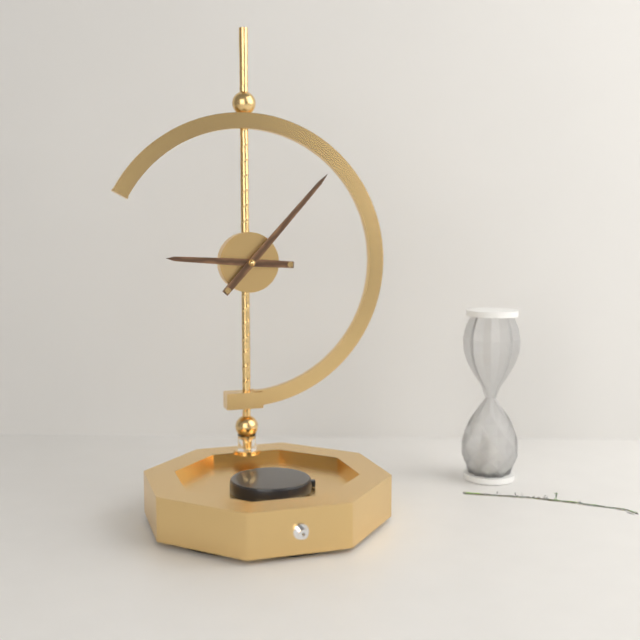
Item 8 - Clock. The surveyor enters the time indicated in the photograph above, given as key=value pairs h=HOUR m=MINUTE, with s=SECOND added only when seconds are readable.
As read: h=9 m=7
